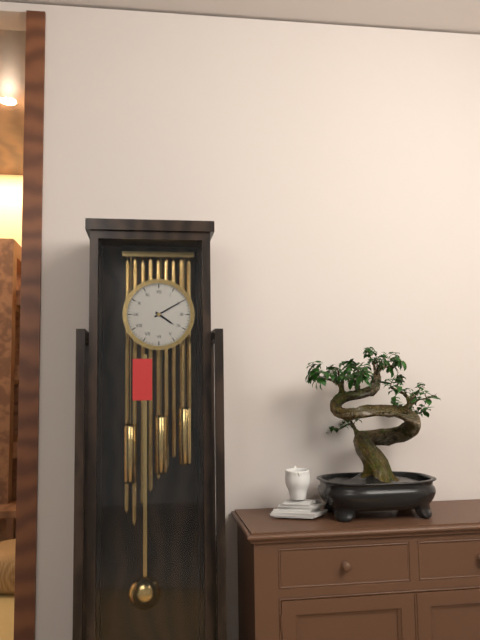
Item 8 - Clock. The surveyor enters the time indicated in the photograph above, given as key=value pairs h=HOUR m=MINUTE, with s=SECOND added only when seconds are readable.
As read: h=4 m=10
